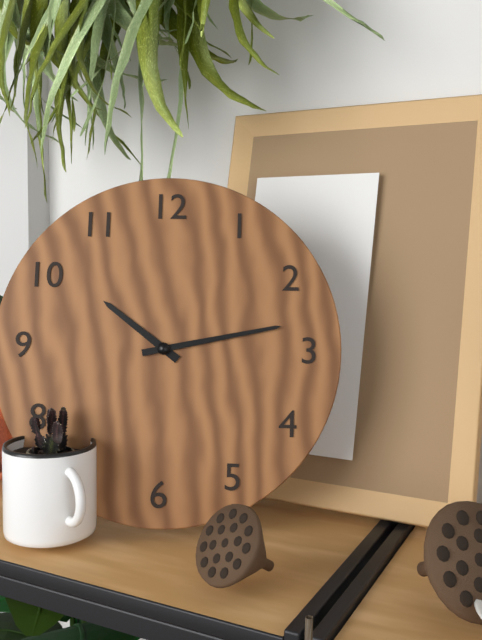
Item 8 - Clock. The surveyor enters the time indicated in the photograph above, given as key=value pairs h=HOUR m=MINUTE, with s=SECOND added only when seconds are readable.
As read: h=10 m=13
